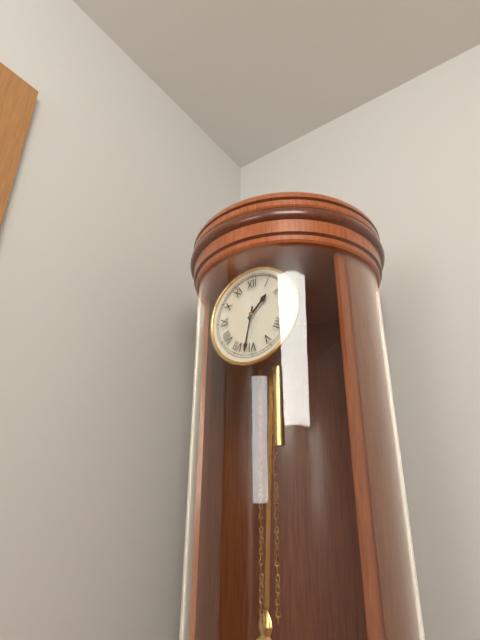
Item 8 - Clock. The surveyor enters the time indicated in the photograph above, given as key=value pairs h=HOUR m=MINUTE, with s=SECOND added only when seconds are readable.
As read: h=1 m=32
